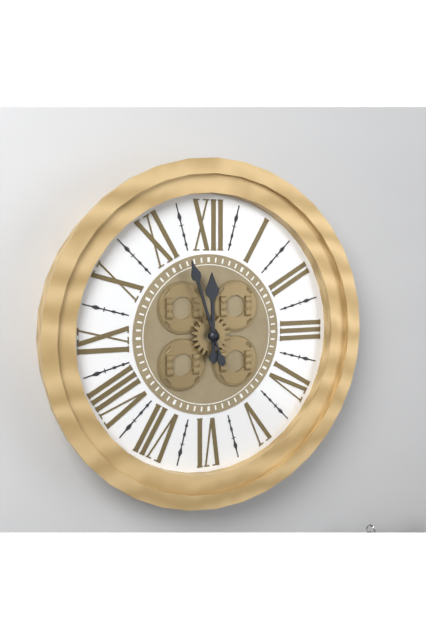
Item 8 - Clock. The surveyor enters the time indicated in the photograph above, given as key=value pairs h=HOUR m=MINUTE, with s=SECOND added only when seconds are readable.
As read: h=11 m=57
